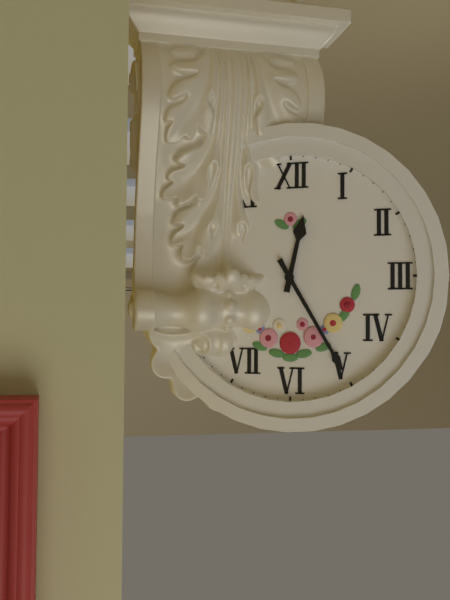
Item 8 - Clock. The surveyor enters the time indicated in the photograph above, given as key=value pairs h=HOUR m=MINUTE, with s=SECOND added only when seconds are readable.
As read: h=12 m=25
